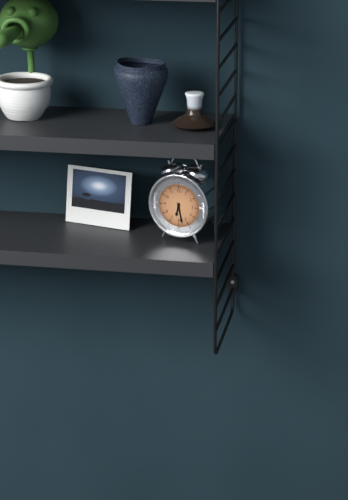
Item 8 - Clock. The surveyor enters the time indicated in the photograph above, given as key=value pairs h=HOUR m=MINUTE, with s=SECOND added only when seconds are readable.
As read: h=6 m=28
